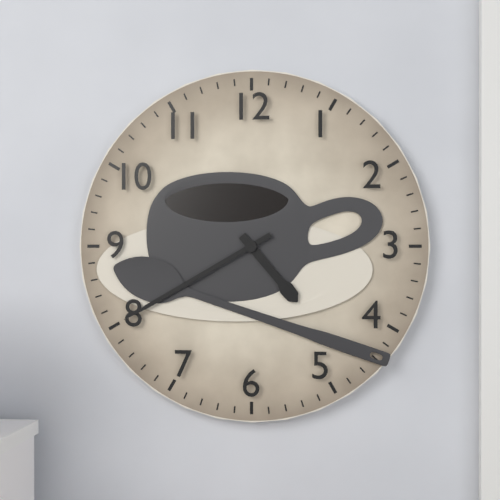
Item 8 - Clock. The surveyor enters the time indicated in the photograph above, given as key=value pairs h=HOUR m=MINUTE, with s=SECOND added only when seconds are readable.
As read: h=4 m=40
